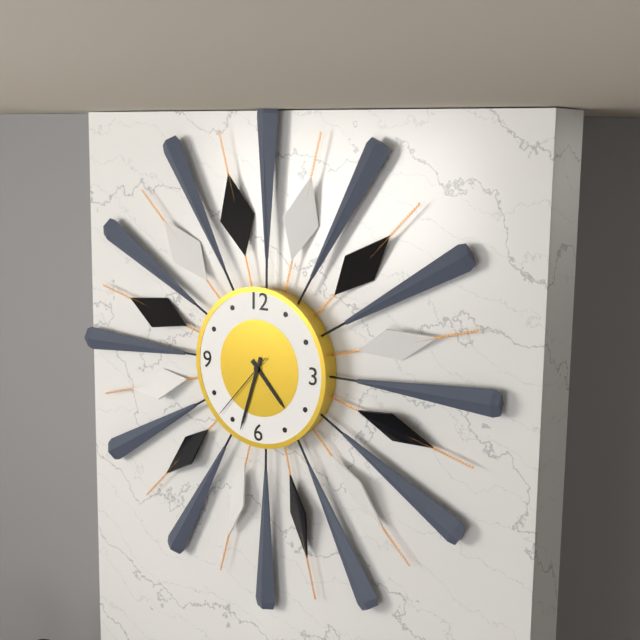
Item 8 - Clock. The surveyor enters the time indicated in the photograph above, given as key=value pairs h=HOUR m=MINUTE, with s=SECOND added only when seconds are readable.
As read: h=4 m=33 s=37
